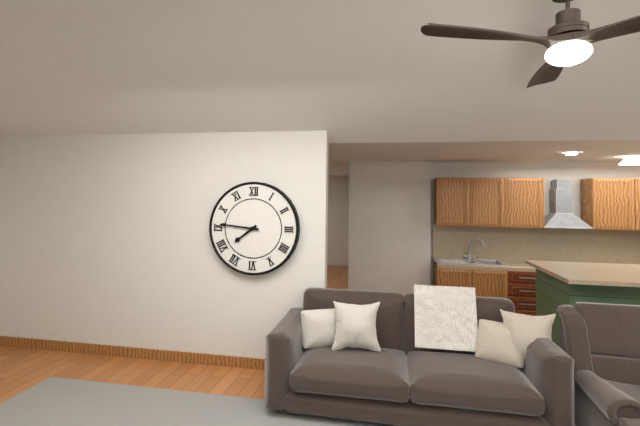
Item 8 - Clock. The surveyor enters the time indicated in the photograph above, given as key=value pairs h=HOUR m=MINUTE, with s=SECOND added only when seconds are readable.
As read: h=7 m=46
